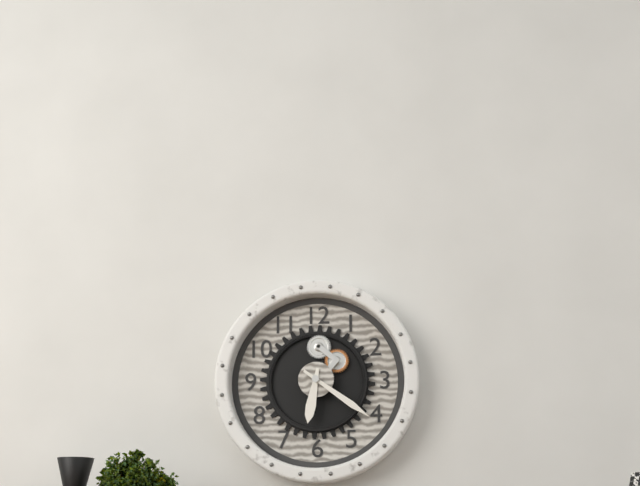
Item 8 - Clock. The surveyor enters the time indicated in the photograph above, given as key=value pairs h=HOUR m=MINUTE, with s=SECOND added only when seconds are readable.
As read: h=6 m=21
